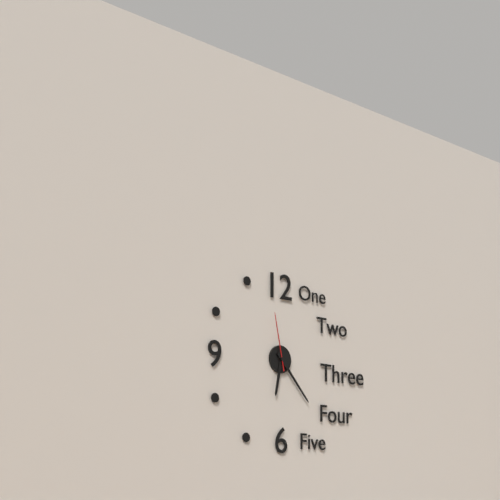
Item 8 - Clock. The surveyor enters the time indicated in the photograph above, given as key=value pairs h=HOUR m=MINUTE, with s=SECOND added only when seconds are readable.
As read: h=6 m=23 s=58
